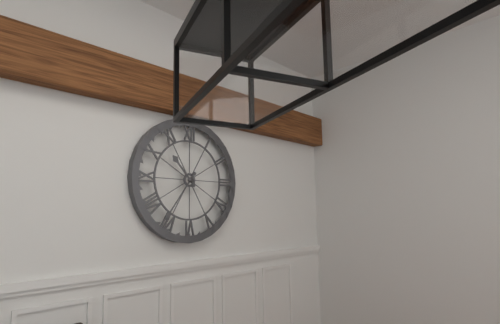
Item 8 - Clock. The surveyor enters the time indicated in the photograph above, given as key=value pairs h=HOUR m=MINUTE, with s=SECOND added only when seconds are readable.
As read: h=10 m=36
